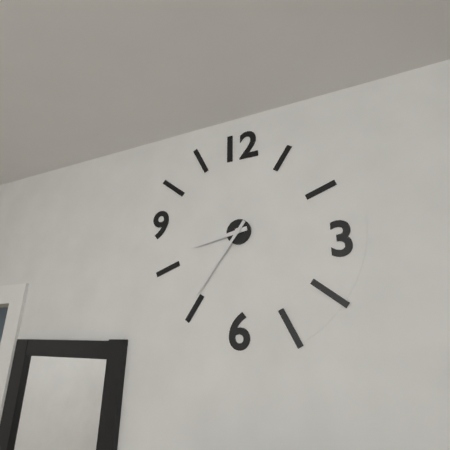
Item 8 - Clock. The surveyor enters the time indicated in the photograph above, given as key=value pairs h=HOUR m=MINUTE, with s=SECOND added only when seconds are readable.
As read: h=8 m=36
